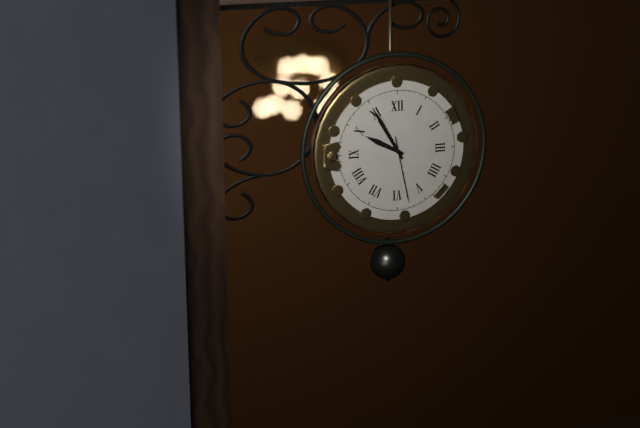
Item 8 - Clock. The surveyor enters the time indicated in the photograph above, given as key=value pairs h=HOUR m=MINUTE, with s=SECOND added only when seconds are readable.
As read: h=9 m=55 s=28
